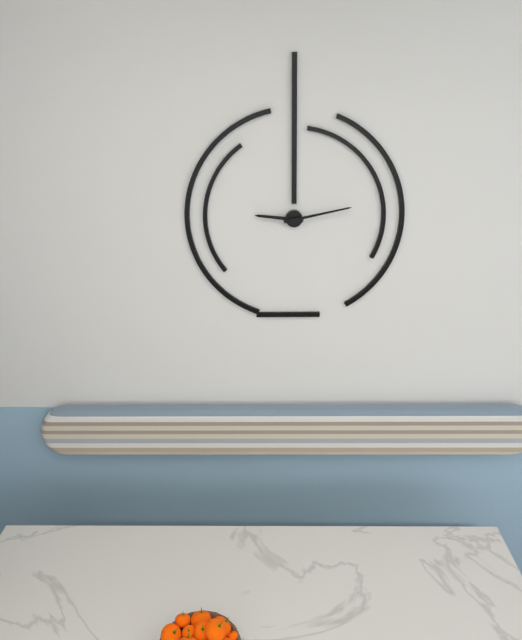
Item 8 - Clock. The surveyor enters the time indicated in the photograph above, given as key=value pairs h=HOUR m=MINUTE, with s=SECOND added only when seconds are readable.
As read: h=9 m=13
